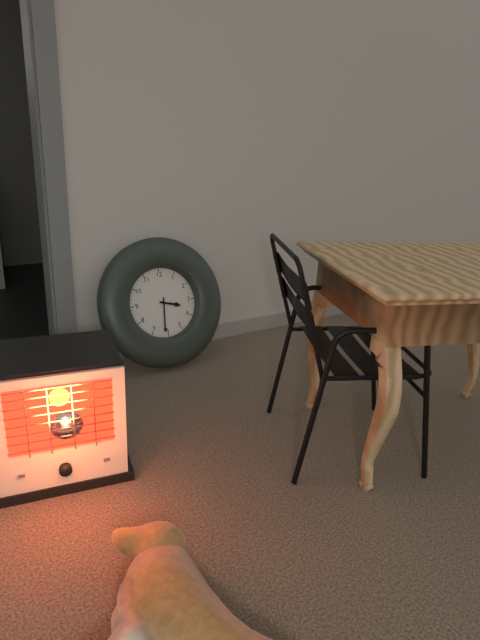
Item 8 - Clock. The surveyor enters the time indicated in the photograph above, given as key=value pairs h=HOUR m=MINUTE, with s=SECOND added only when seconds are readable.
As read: h=3 m=31
